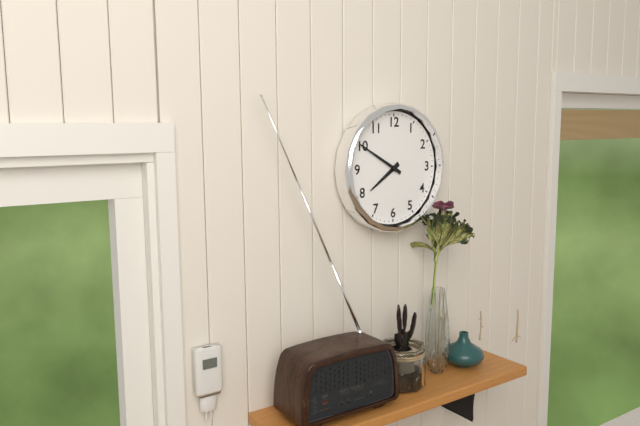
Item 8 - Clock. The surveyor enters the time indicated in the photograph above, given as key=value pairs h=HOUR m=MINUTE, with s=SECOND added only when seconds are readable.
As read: h=7 m=50
